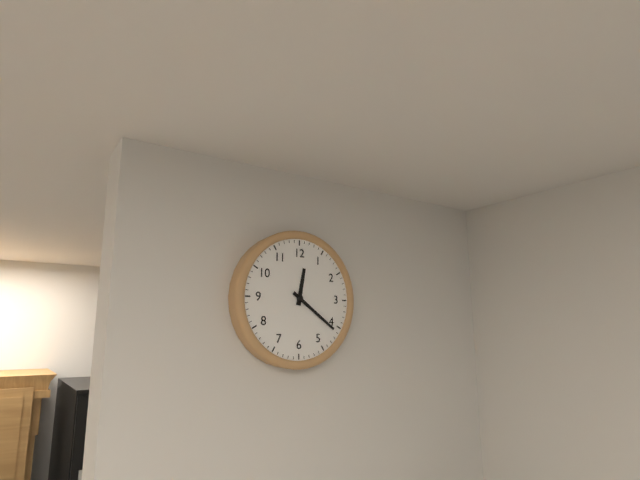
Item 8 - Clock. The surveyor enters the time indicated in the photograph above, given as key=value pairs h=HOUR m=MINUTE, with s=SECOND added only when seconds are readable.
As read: h=12 m=21
